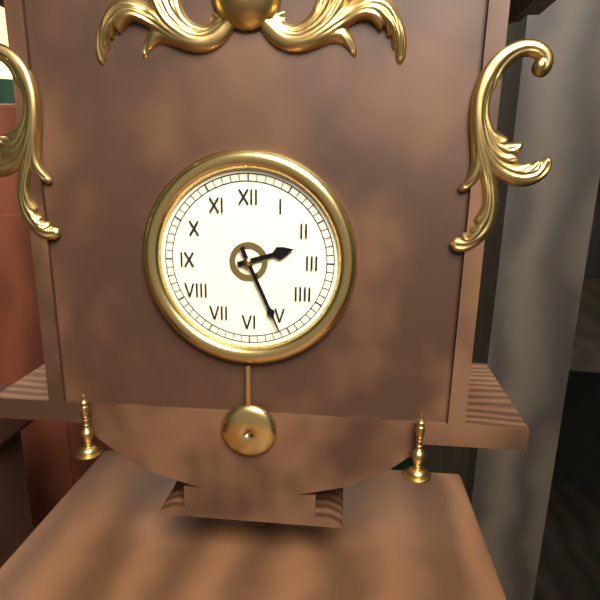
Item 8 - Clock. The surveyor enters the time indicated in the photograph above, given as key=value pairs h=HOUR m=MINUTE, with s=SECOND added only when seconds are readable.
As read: h=2 m=26
